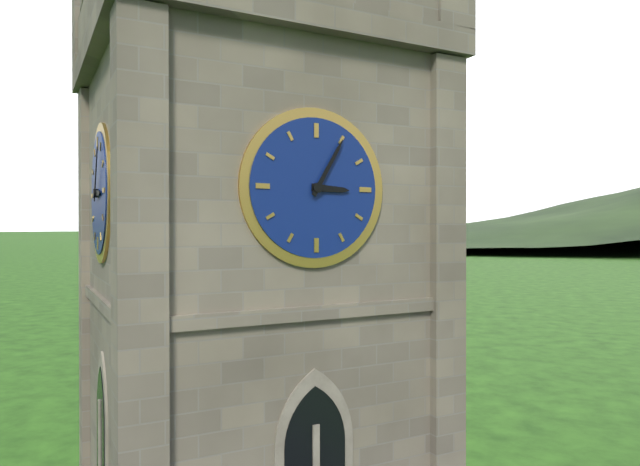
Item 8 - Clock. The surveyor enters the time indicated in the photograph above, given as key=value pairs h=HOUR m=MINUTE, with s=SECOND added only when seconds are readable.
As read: h=3 m=5
